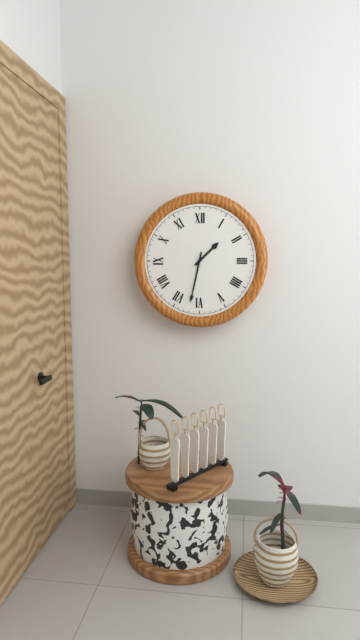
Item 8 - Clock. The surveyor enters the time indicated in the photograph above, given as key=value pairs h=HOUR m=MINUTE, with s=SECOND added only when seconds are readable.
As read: h=1 m=32
